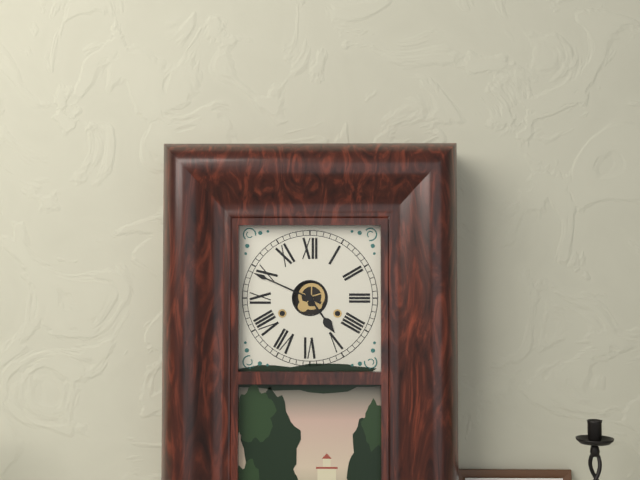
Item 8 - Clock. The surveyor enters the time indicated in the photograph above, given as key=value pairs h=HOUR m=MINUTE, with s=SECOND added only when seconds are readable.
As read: h=4 m=49
